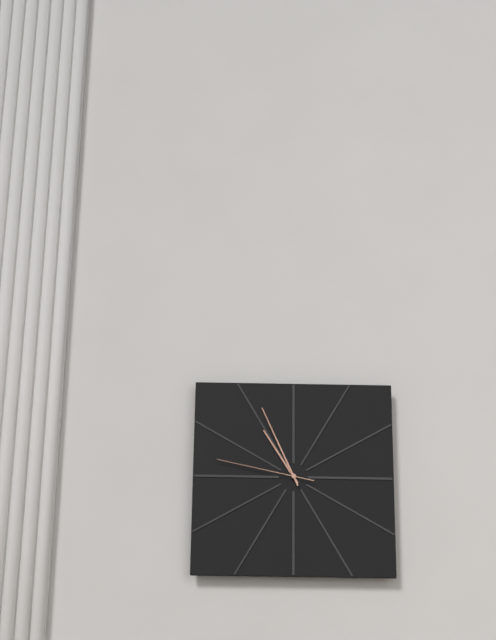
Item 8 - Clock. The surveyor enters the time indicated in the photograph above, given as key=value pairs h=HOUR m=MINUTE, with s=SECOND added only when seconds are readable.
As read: h=10 m=56 s=47
